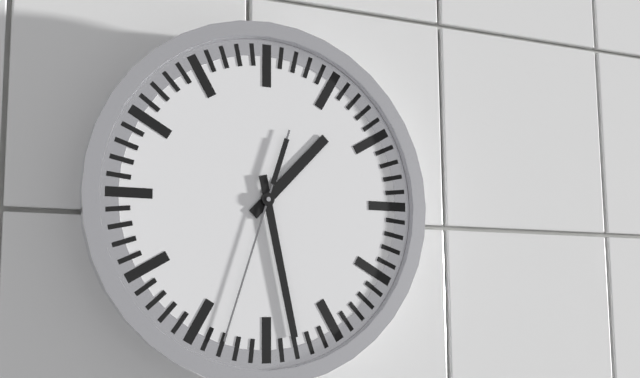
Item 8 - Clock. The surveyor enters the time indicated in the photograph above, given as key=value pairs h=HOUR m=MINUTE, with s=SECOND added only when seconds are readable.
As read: h=1 m=28 s=33
